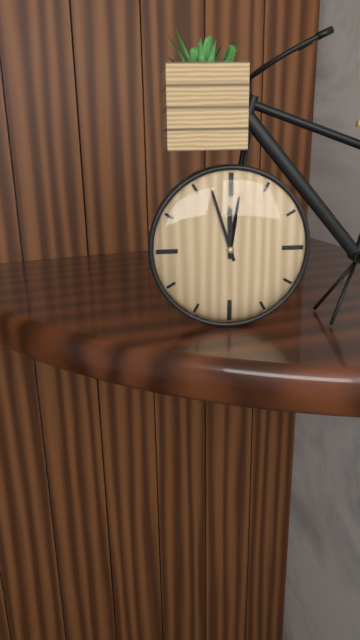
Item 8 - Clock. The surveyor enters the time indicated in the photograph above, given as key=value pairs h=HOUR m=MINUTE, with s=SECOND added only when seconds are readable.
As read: h=11 m=57
